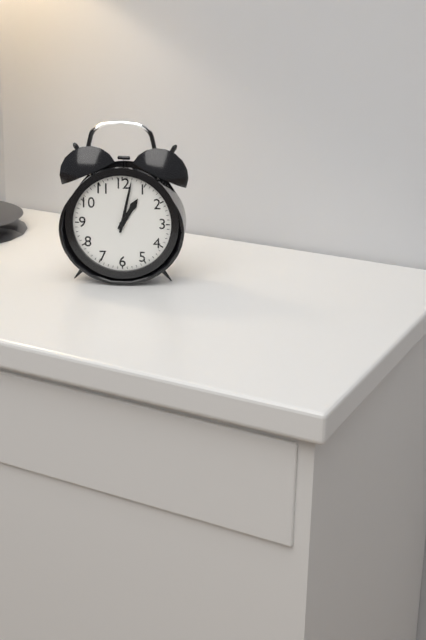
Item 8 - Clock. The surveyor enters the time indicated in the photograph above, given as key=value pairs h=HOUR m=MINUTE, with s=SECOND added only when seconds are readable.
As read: h=1 m=2
